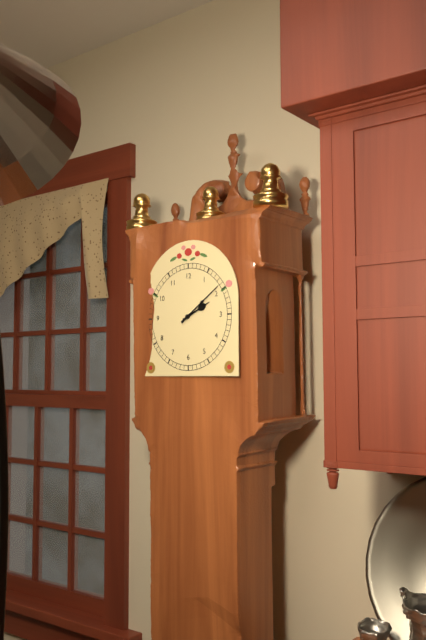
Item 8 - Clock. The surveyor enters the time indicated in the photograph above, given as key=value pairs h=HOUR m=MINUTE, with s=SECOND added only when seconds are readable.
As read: h=2 m=9
